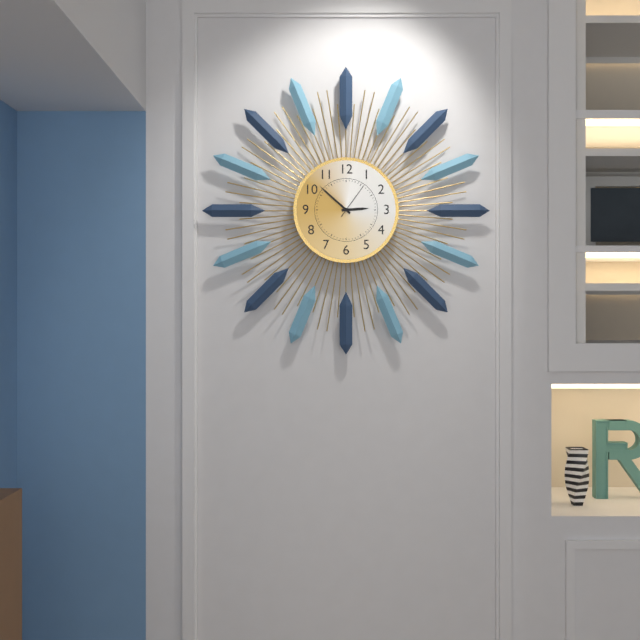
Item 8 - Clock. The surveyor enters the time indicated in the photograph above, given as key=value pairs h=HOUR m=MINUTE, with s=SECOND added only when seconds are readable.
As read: h=2 m=52
